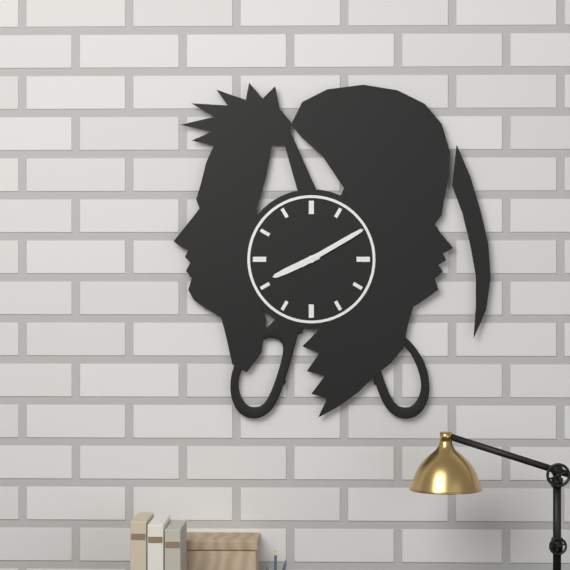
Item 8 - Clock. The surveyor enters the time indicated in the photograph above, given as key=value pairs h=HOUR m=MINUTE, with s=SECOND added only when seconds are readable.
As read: h=8 m=10
